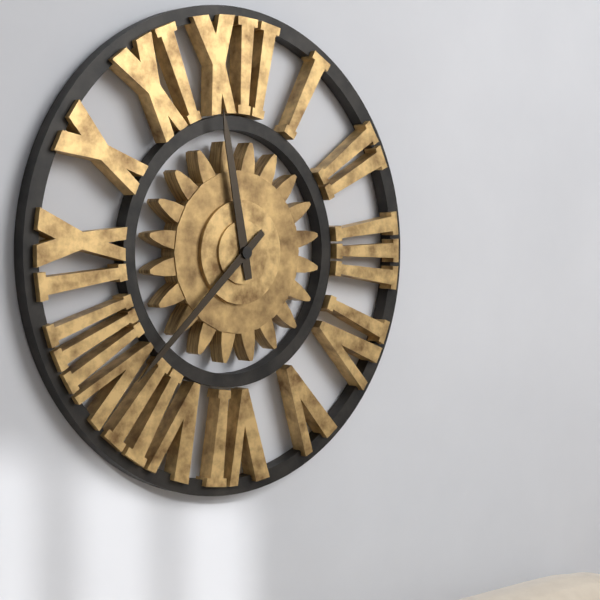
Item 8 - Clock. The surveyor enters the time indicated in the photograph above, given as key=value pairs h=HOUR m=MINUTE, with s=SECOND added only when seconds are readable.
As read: h=11 m=38
